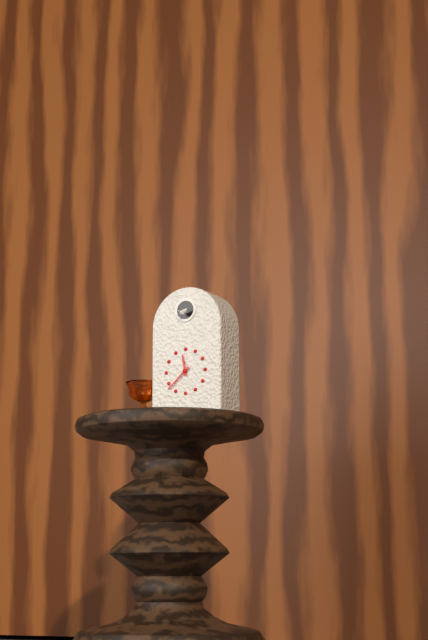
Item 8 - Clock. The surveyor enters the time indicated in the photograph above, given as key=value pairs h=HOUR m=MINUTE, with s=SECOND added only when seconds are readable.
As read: h=11 m=38
